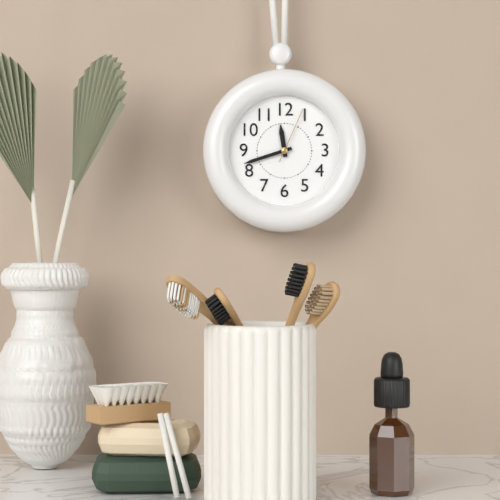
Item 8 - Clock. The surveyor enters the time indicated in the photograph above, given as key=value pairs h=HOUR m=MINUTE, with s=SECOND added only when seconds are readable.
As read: h=11 m=42 s=4
